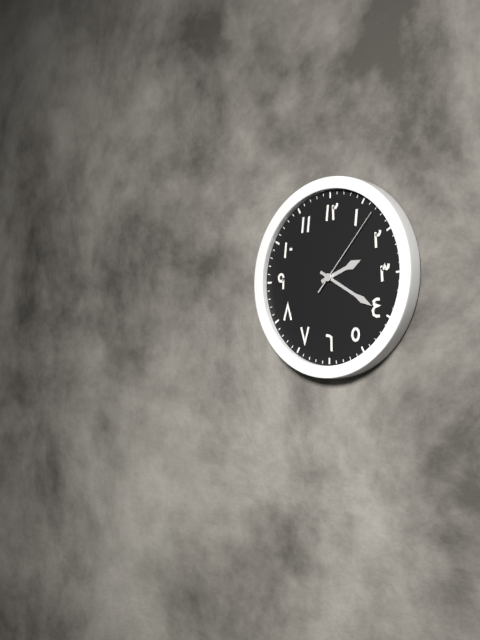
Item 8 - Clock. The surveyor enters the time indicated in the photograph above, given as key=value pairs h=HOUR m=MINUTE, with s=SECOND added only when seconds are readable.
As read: h=2 m=20 s=7
